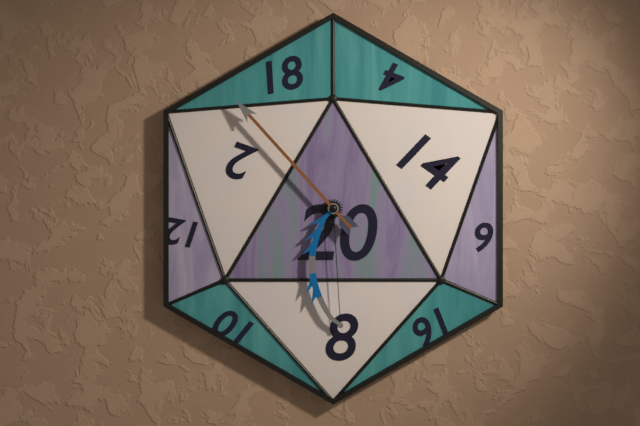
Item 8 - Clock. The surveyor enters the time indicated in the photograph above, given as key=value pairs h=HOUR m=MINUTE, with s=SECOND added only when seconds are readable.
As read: h=5 m=53
